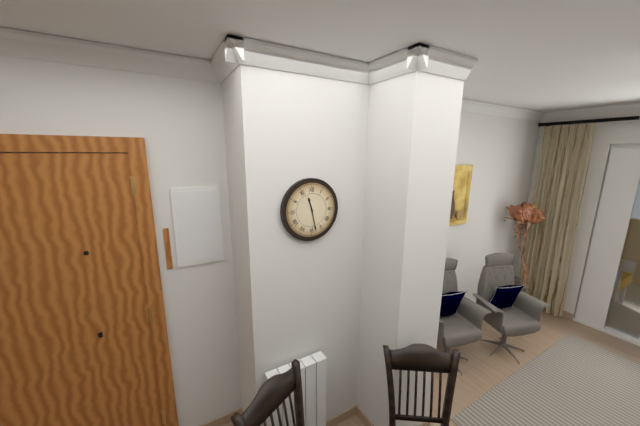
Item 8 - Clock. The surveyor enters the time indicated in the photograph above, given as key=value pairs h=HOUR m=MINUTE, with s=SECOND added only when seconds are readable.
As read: h=11 m=28
